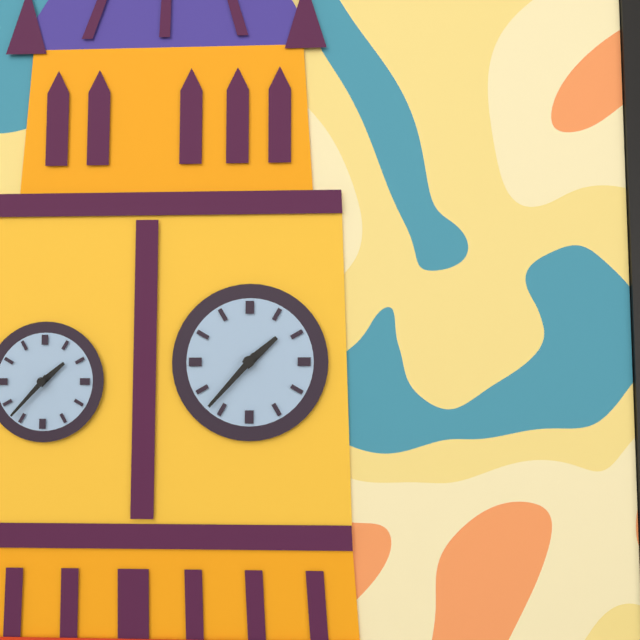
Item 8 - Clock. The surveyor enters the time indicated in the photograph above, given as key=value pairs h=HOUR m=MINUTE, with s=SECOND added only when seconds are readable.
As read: h=1 m=37
